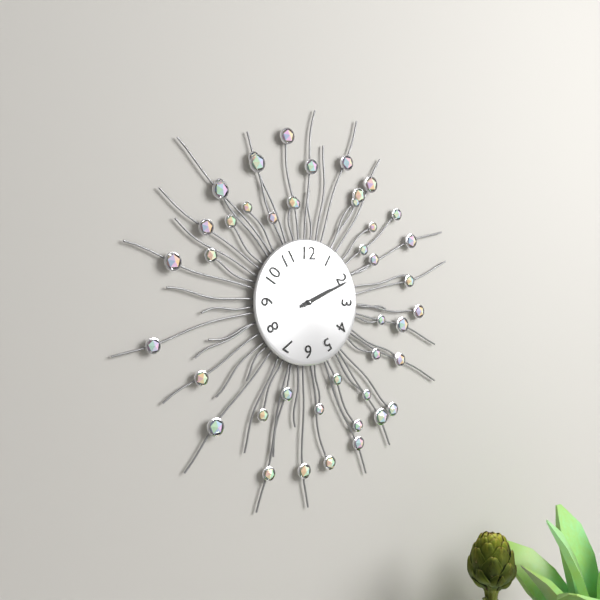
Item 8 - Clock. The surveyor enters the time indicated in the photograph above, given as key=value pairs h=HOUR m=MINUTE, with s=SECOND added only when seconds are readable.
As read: h=2 m=11
